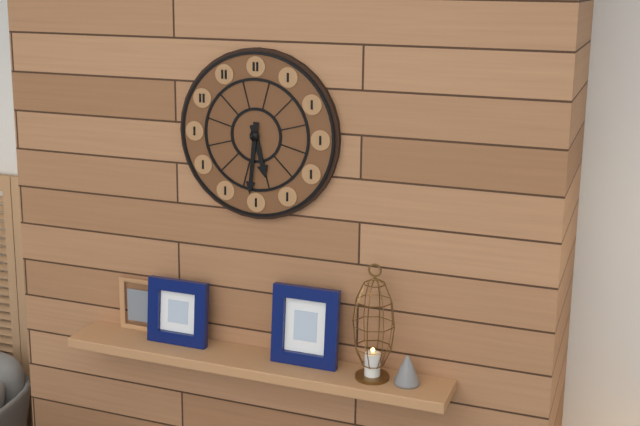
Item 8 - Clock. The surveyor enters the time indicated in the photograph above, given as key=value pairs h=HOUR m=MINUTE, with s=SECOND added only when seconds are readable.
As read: h=5 m=31
